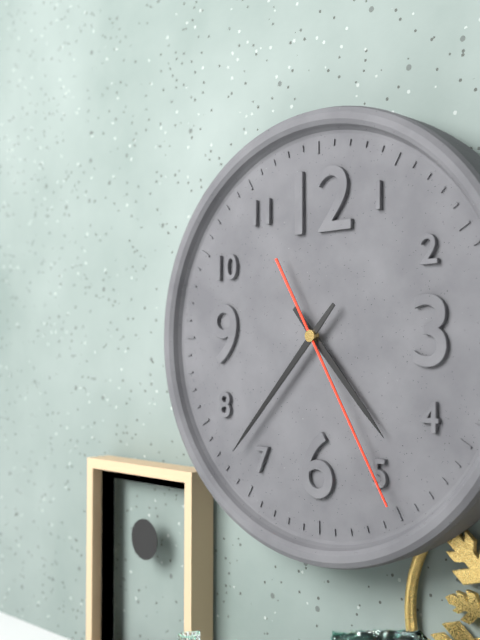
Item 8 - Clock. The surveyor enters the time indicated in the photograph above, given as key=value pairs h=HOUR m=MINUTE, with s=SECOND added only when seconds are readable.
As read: h=4 m=37 s=25
